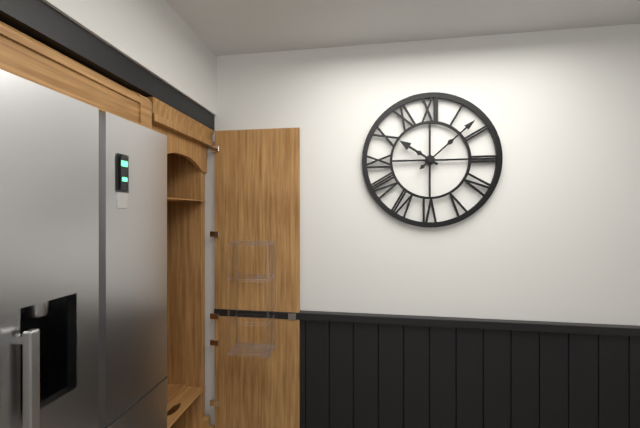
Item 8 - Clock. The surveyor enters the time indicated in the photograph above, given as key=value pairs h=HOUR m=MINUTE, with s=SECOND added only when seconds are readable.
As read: h=10 m=8
